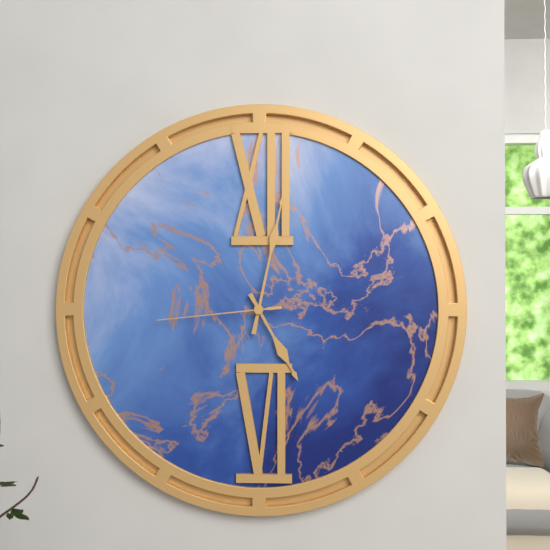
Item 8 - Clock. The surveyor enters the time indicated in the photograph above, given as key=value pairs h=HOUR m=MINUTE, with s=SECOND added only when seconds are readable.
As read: h=5 m=2 s=44
